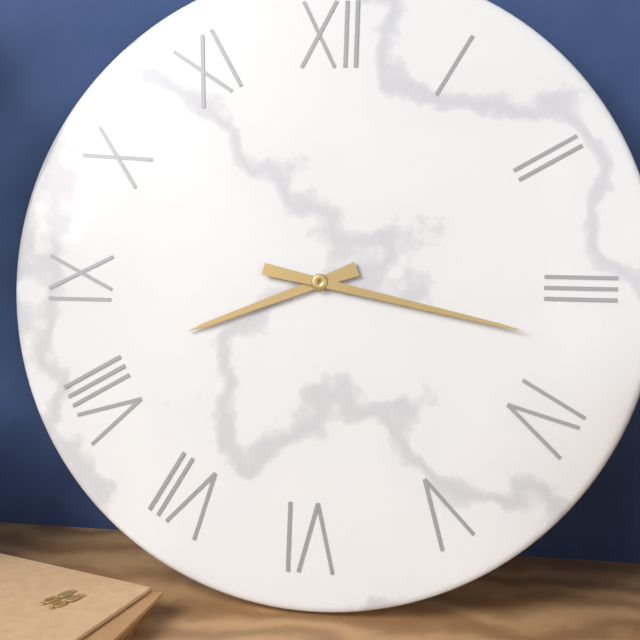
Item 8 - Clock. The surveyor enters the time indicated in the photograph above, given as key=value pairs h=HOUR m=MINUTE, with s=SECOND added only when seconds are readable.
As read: h=8 m=17
